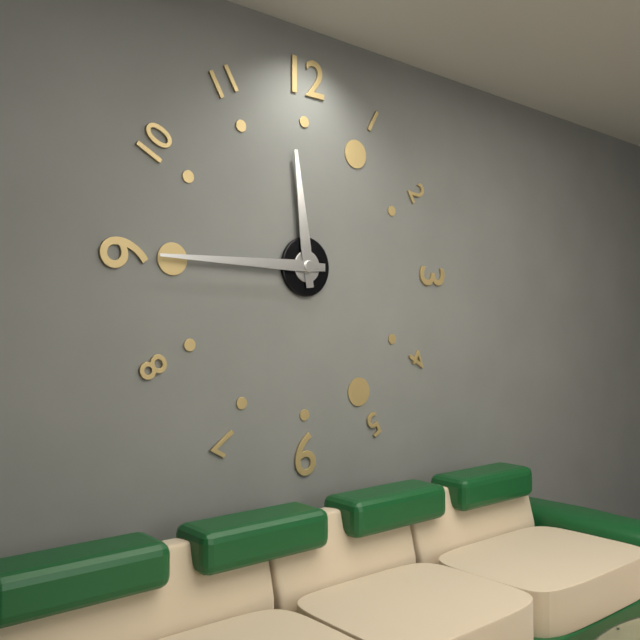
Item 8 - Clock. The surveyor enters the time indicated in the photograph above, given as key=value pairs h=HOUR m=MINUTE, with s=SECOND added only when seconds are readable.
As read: h=11 m=45
